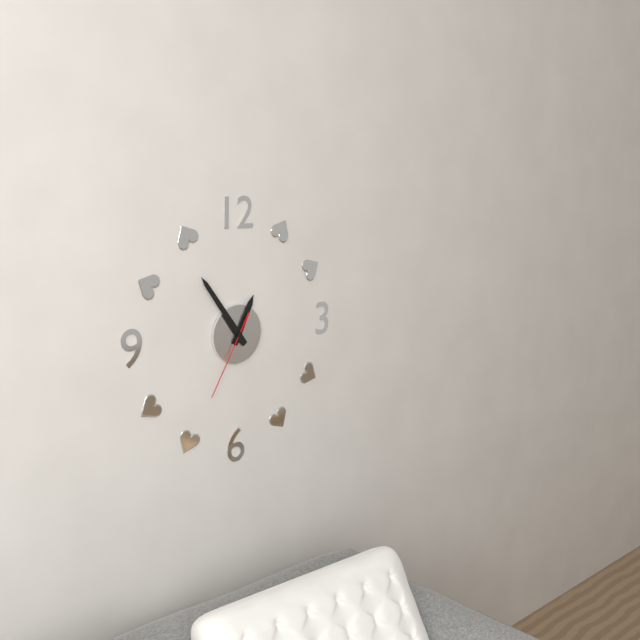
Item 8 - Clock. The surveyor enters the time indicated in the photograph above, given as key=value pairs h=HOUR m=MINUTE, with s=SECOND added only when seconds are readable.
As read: h=12 m=54 s=35
